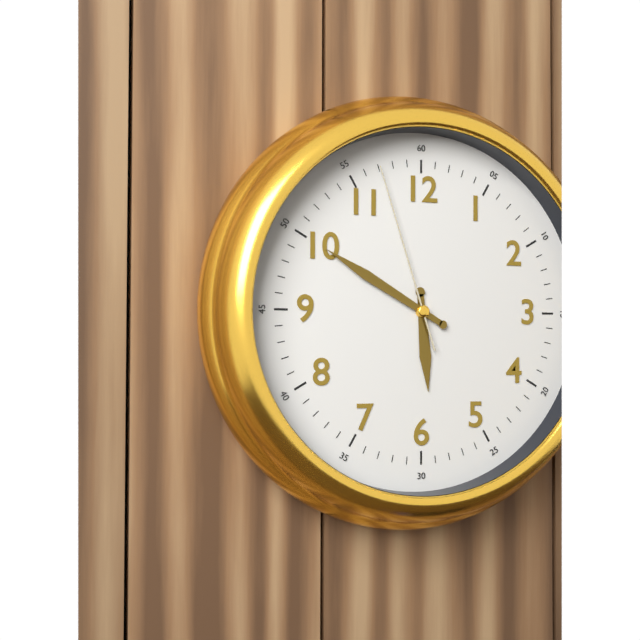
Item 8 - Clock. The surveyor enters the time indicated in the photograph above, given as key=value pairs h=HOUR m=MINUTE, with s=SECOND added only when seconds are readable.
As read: h=5 m=50 s=57
